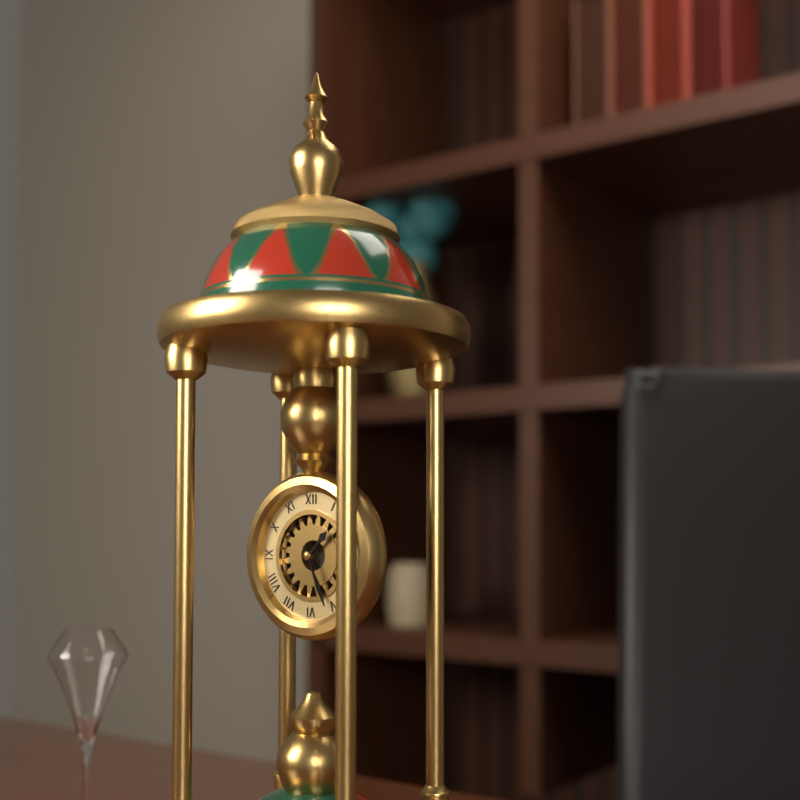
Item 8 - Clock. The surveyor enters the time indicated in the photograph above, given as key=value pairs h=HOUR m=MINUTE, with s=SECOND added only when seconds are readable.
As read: h=1 m=26
